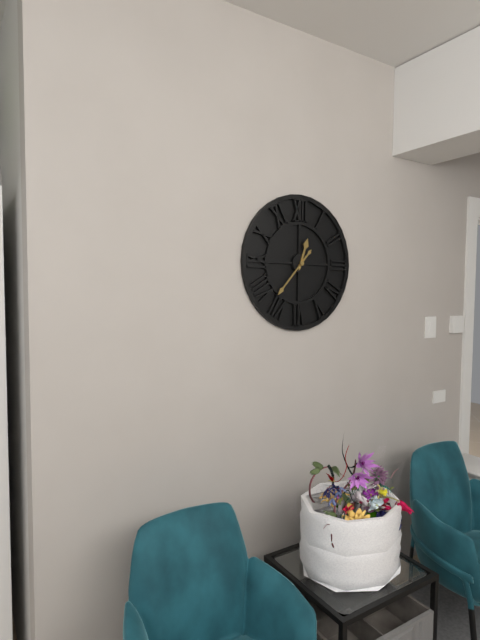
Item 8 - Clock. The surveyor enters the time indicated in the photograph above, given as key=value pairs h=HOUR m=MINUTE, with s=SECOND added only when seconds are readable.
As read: h=12 m=37
